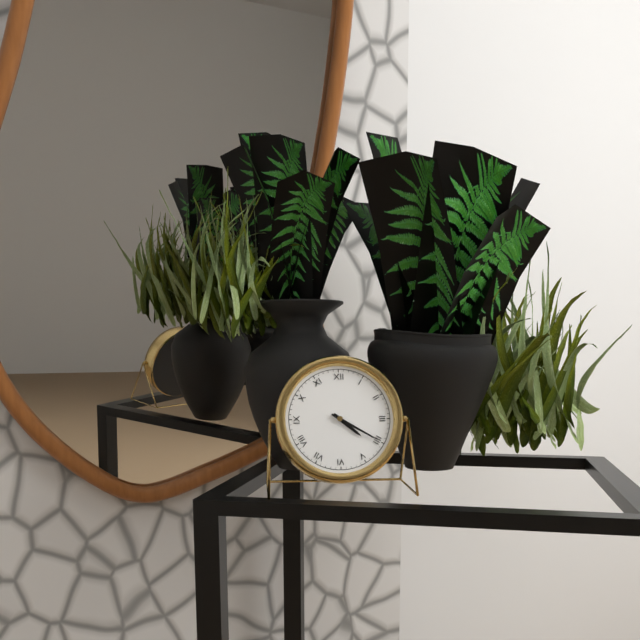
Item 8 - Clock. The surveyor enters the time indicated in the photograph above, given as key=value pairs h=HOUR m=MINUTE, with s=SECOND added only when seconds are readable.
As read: h=4 m=20
